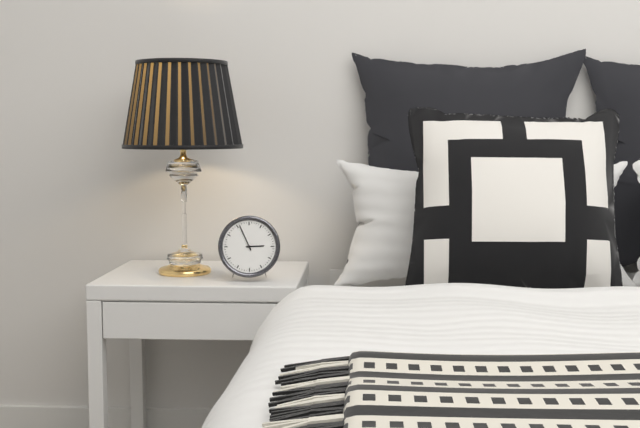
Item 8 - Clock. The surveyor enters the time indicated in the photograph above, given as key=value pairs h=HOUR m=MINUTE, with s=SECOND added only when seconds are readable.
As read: h=2 m=56
